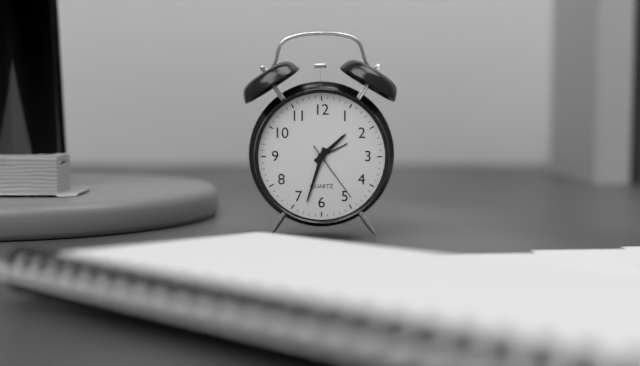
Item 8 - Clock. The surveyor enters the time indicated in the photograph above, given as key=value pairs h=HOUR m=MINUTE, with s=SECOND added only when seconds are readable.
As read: h=1 m=33 s=24
